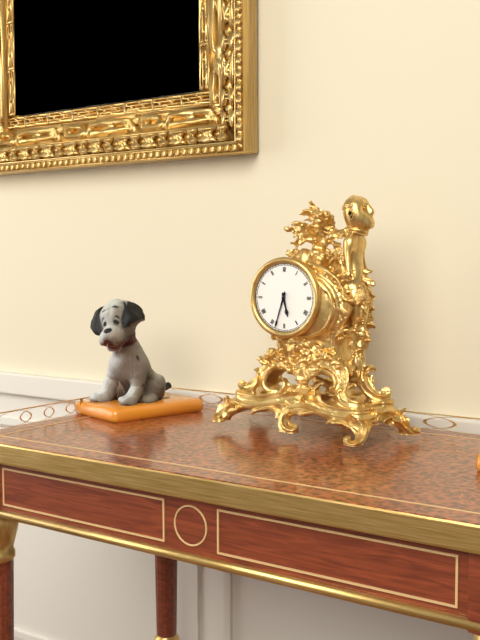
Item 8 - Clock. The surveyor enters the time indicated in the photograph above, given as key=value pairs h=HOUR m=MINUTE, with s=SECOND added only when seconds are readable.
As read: h=5 m=33
